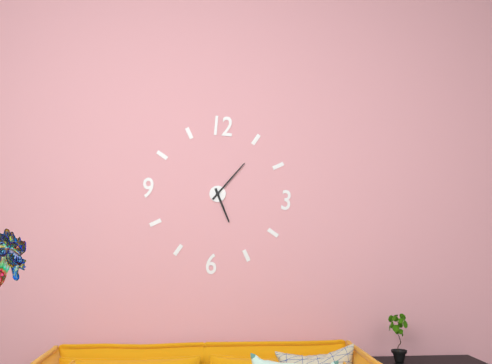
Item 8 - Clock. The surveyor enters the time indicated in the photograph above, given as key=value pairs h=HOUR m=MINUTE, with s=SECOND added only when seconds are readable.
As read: h=5 m=6
